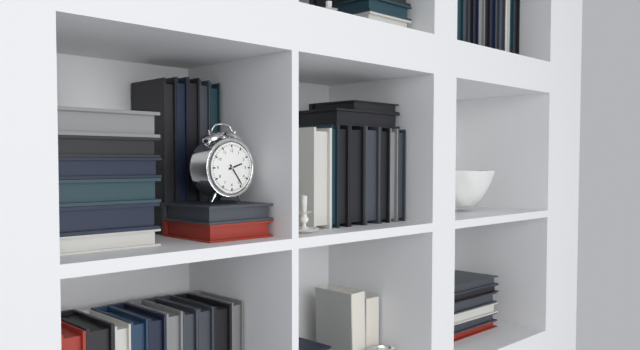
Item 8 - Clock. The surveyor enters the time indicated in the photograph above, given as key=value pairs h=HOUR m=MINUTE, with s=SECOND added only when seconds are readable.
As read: h=2 m=24
